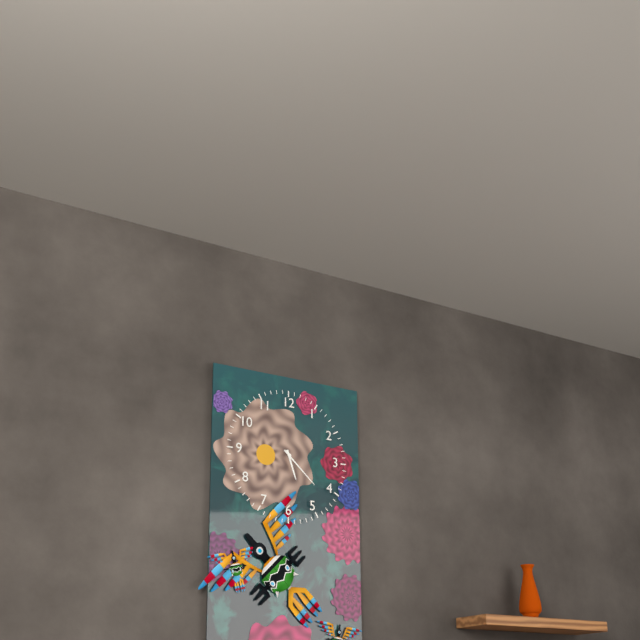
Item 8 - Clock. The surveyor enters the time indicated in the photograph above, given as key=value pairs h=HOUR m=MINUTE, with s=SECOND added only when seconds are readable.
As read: h=5 m=22
